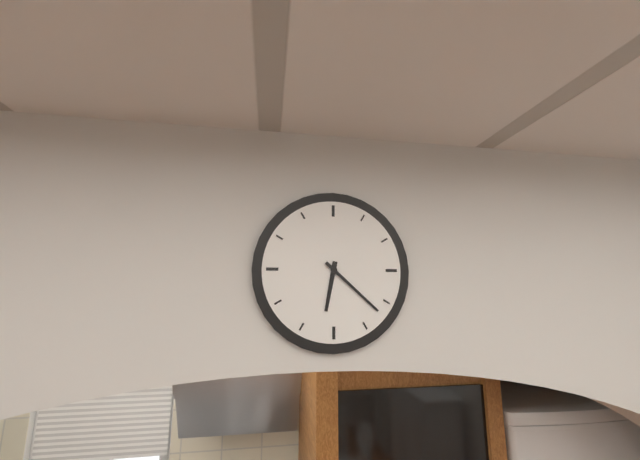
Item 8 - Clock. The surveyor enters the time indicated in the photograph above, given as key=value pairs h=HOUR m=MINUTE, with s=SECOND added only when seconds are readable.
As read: h=6 m=22
